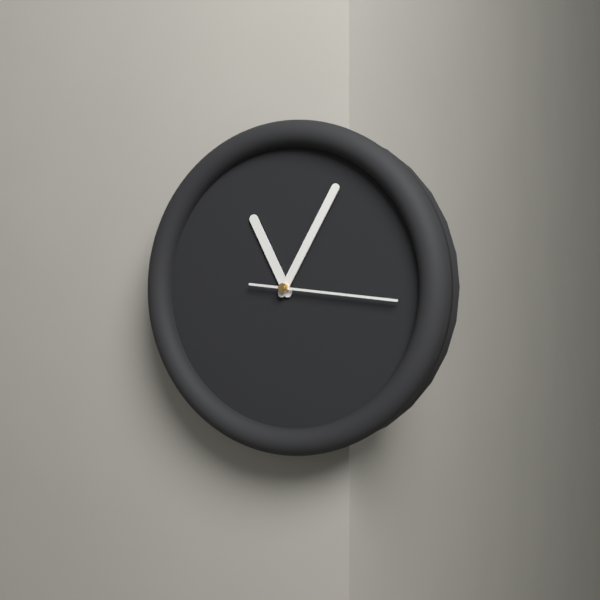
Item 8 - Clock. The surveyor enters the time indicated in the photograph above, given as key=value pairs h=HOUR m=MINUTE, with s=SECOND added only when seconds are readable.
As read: h=11 m=5 s=16
